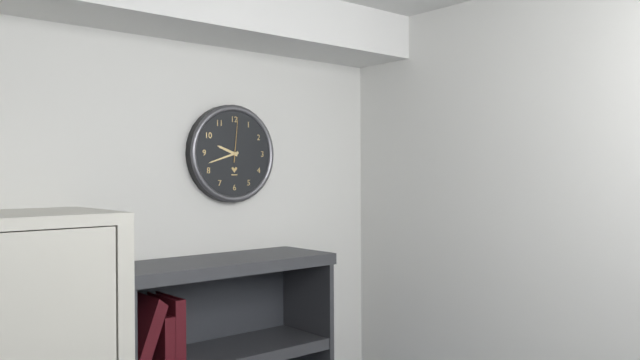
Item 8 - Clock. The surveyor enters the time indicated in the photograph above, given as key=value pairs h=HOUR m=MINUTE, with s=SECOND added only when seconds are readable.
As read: h=9 m=42
